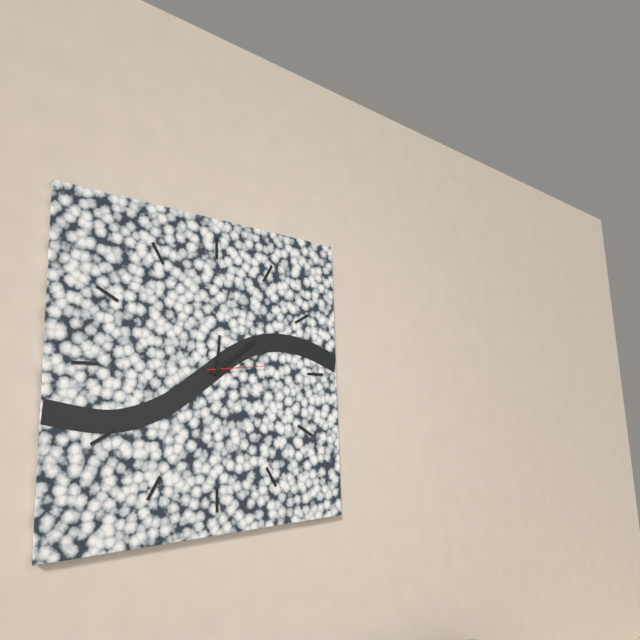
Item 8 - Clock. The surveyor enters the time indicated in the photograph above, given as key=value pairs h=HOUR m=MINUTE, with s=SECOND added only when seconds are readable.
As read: h=12 m=9 s=14
